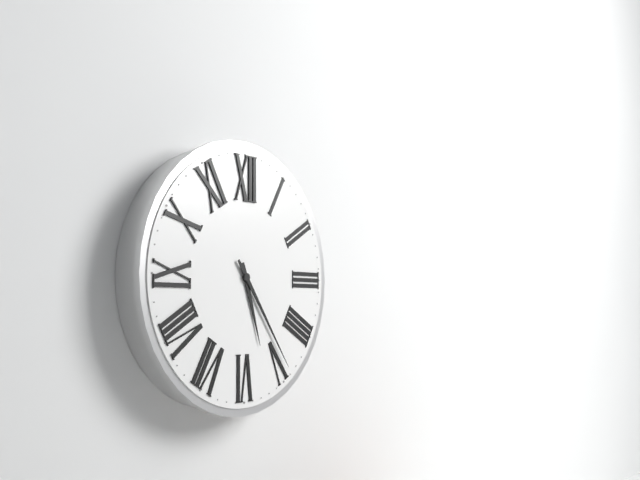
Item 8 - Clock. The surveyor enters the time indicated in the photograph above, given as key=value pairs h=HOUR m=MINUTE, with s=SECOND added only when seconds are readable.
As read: h=5 m=24
